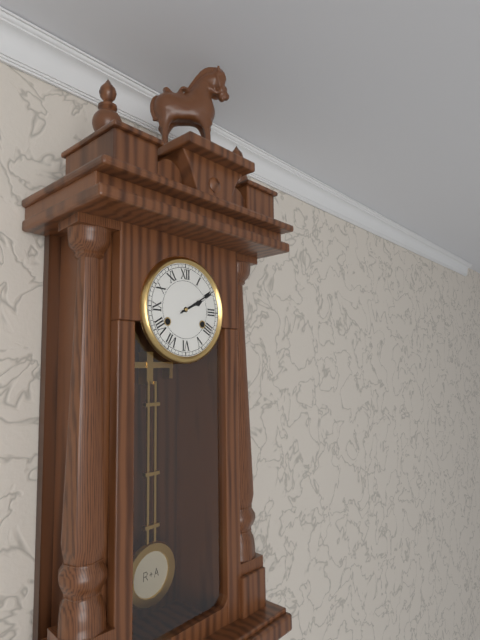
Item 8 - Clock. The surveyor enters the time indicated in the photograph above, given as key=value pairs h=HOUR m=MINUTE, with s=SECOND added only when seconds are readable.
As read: h=2 m=10
